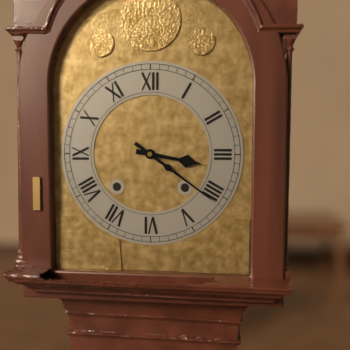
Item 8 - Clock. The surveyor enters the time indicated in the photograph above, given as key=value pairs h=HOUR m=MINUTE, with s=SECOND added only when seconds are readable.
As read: h=3 m=21
